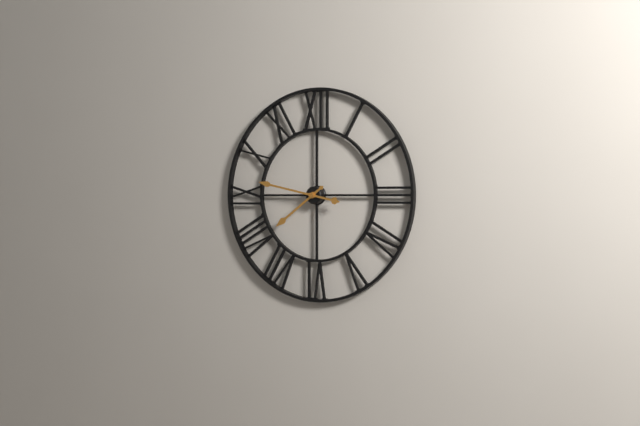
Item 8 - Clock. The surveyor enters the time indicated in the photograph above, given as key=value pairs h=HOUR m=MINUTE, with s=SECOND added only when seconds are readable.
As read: h=7 m=47
